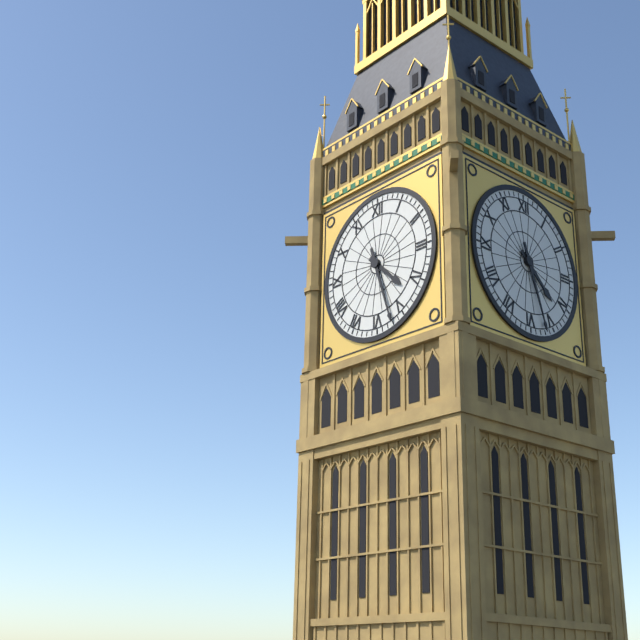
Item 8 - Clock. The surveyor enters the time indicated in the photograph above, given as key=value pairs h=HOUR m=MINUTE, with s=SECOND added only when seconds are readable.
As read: h=4 m=27
